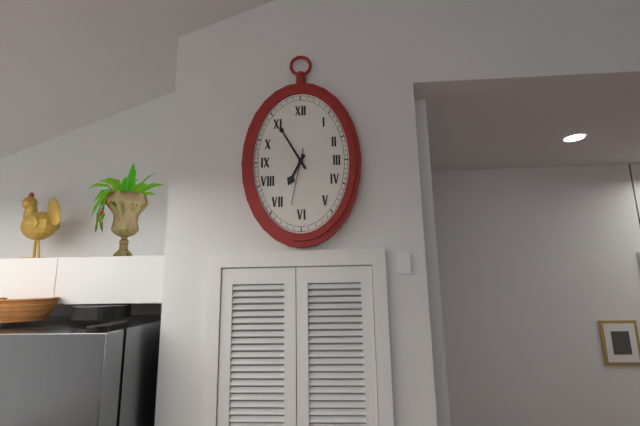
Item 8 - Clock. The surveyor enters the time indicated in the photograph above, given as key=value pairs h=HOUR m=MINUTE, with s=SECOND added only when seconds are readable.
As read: h=6 m=55 s=32
